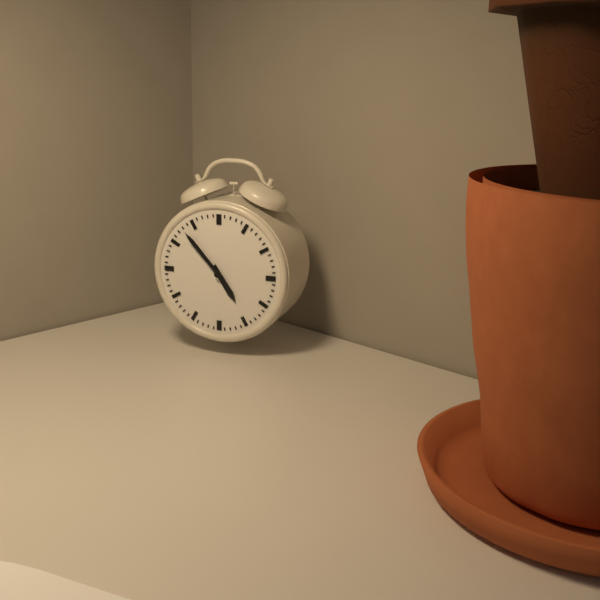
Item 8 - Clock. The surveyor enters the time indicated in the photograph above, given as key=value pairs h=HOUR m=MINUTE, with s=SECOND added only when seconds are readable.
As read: h=4 m=53
